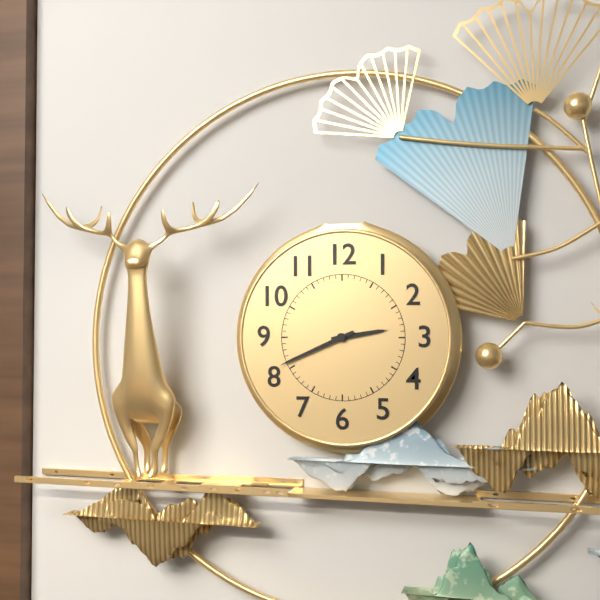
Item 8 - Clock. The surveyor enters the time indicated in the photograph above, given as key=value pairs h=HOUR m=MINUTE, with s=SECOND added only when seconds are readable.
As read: h=2 m=41
